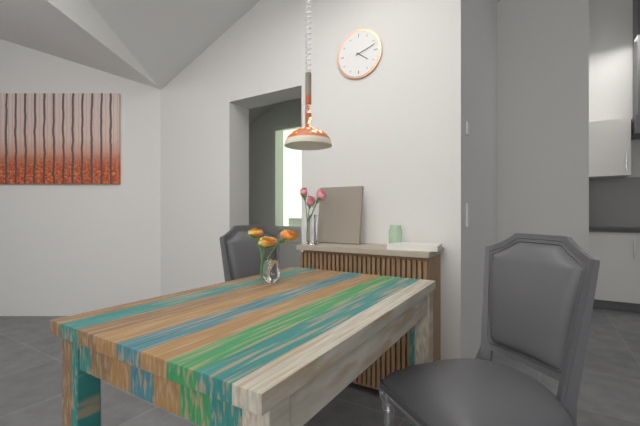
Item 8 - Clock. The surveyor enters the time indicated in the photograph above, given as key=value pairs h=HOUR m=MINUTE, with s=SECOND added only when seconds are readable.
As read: h=4 m=12
